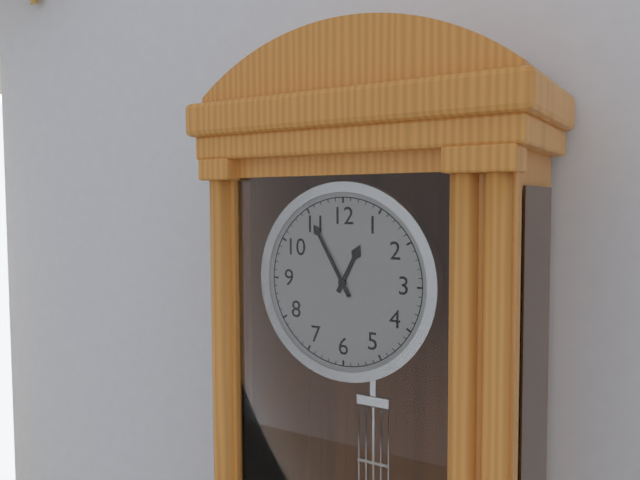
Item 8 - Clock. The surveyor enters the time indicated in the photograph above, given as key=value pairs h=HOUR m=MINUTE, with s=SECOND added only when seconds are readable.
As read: h=12 m=55
